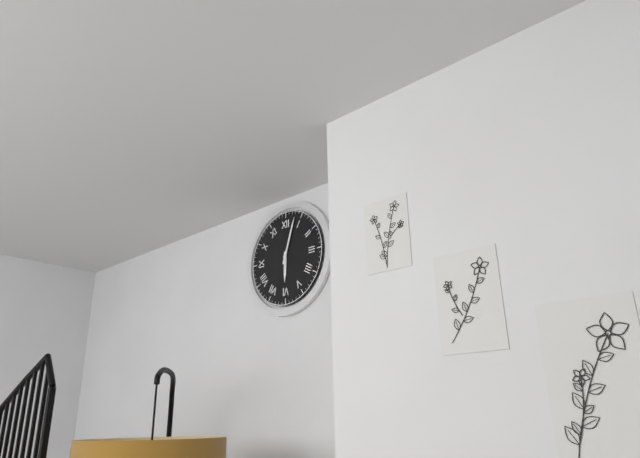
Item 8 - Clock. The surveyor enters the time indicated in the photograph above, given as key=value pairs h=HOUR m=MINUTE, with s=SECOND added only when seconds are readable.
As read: h=6 m=3
